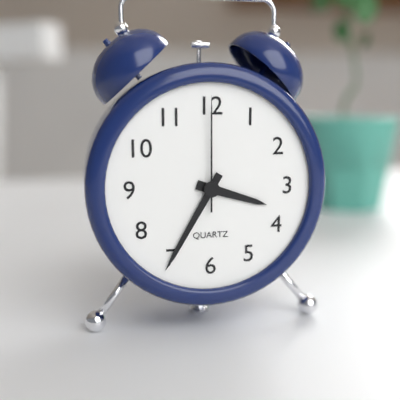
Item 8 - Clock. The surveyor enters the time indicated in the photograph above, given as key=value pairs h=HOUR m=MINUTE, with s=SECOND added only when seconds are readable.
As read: h=3 m=35 s=0
